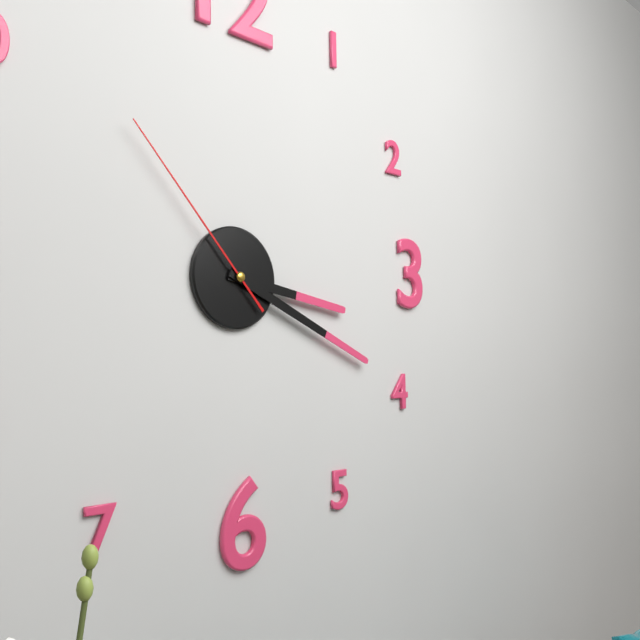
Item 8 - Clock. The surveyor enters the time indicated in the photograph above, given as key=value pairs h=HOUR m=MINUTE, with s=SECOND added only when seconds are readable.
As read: h=3 m=19 s=53
